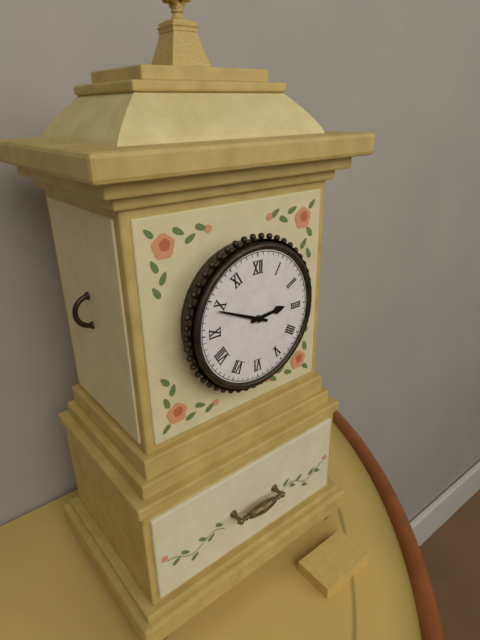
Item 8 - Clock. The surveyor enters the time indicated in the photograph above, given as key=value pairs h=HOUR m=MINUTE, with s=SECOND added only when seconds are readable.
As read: h=2 m=49
